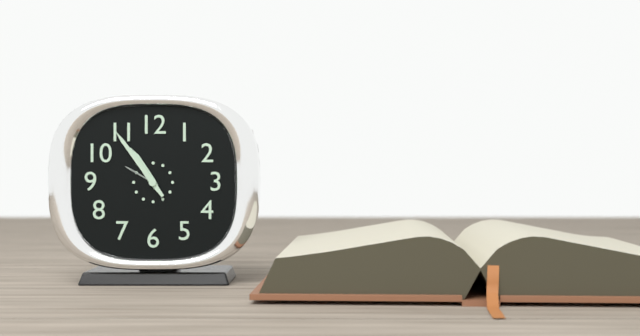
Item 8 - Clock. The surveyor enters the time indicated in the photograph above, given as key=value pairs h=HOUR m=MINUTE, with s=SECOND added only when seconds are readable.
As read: h=10 m=54
